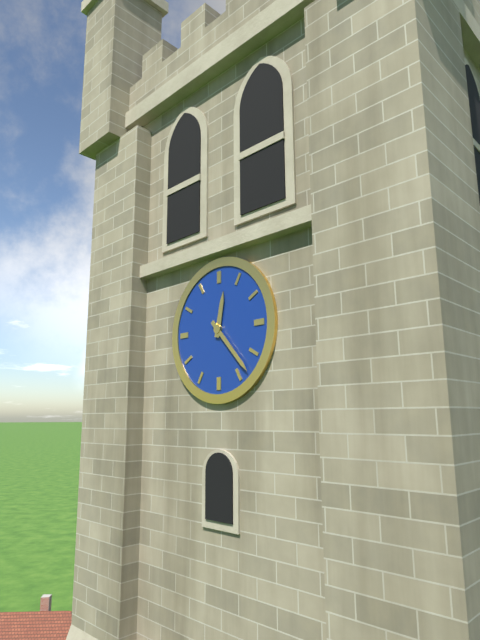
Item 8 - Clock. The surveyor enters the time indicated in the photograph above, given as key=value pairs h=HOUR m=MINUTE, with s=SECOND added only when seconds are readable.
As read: h=12 m=23
